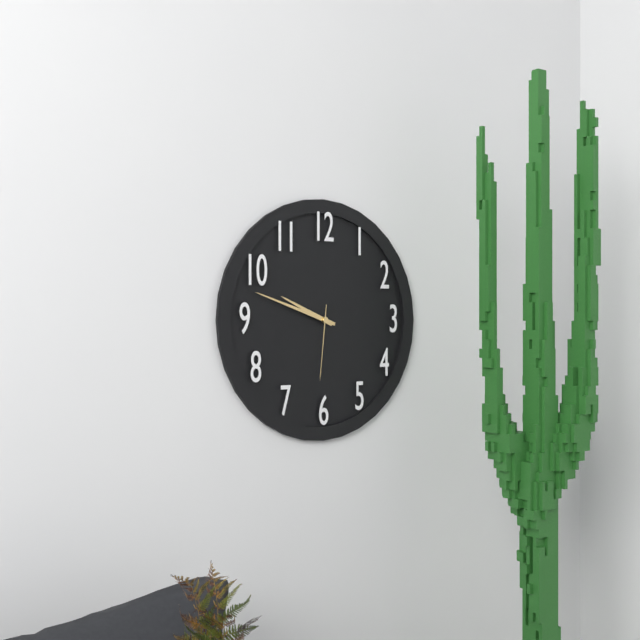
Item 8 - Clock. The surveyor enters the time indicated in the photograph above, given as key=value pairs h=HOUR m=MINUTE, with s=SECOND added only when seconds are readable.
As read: h=9 m=48 s=31
